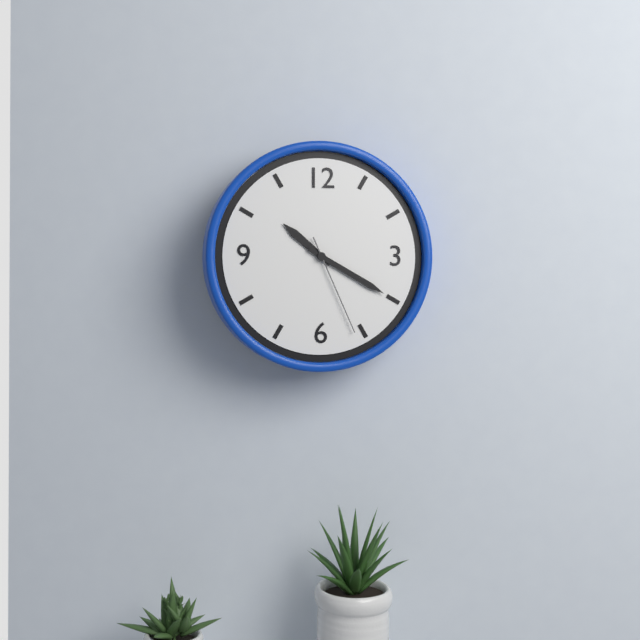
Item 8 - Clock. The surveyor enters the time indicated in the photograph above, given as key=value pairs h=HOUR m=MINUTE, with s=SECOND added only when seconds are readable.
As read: h=10 m=20 s=26
